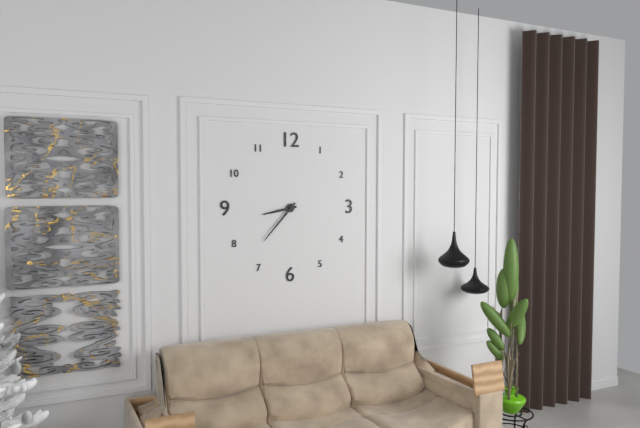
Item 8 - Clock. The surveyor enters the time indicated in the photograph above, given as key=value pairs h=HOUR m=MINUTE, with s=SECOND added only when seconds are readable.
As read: h=8 m=37
